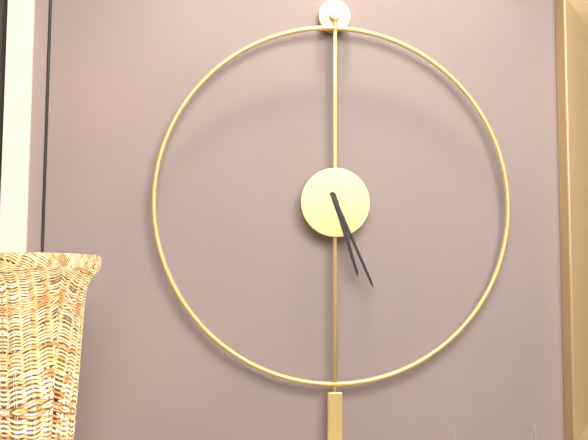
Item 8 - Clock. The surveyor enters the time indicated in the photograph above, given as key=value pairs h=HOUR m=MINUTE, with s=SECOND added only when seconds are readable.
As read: h=5 m=26
